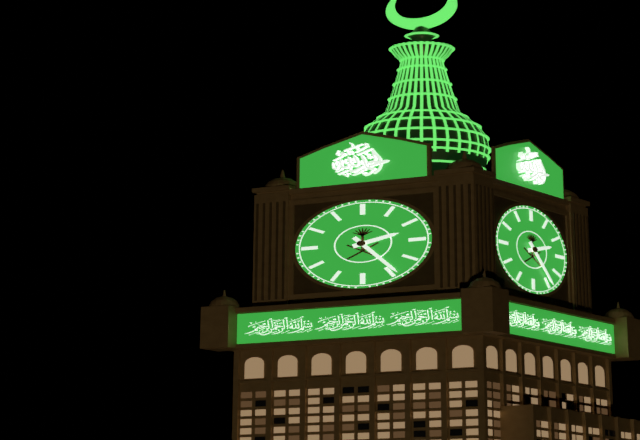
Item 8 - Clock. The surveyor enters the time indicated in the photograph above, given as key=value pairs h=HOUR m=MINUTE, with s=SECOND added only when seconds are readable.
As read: h=2 m=24
